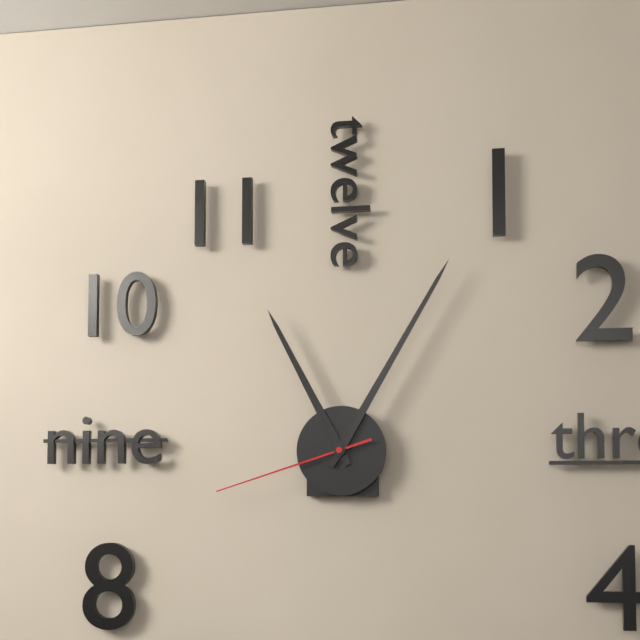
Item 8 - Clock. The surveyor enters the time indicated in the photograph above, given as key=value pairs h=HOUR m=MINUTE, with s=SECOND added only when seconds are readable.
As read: h=11 m=5 s=42
